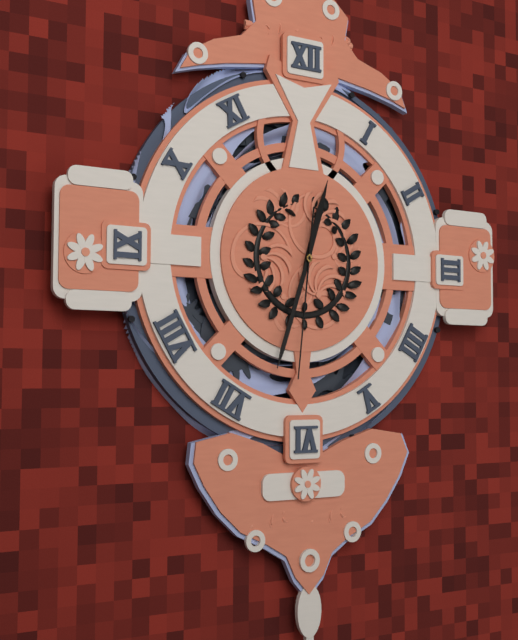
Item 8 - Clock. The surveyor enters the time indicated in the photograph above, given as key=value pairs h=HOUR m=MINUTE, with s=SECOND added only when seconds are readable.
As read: h=12 m=33 s=31
